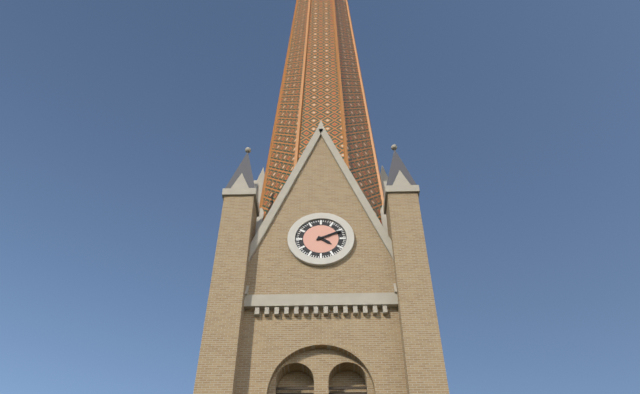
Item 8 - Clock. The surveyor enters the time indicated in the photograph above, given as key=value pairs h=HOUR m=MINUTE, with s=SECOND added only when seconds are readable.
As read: h=4 m=11
